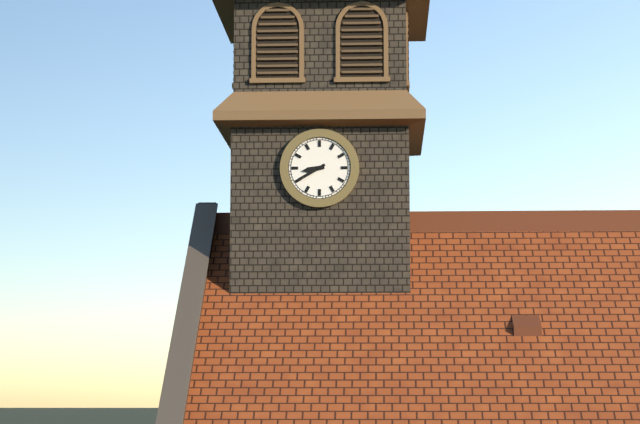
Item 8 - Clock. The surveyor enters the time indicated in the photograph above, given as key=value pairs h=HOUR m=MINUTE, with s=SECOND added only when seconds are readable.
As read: h=8 m=40
